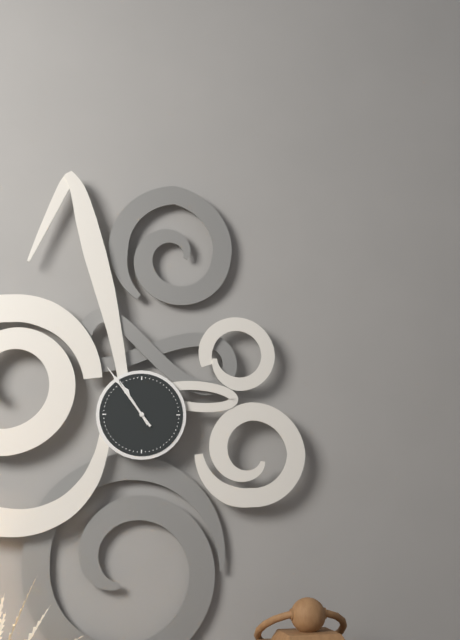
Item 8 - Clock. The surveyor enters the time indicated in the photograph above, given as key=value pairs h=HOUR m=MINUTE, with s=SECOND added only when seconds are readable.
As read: h=10 m=54
